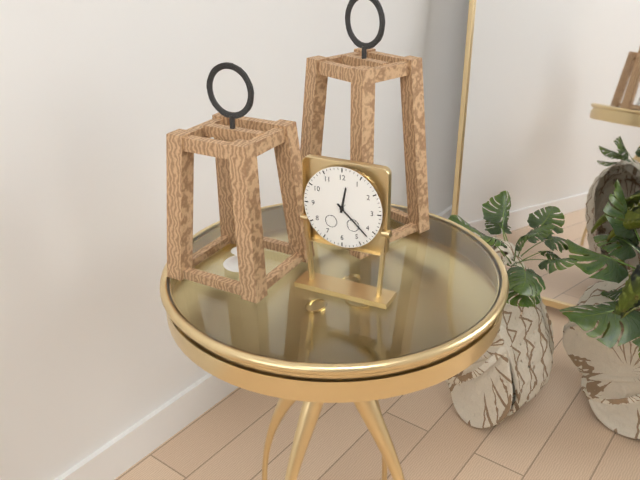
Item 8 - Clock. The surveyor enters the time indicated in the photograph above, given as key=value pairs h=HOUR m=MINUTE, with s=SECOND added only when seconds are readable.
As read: h=12 m=22
